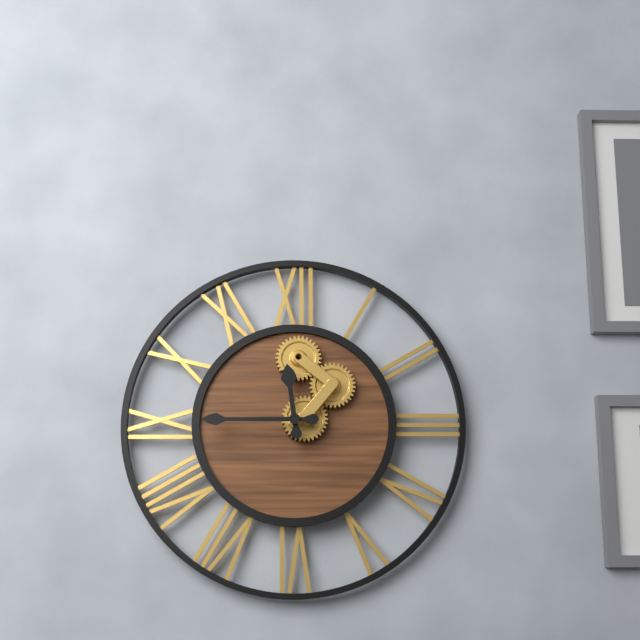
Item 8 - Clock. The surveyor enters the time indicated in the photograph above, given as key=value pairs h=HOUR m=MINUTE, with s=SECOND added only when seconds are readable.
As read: h=11 m=45
